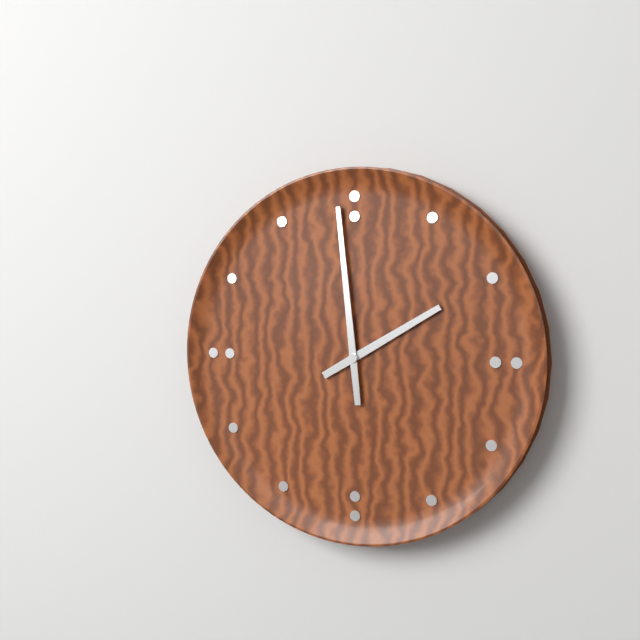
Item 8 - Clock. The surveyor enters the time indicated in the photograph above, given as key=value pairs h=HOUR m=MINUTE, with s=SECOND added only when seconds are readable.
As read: h=1 m=59
